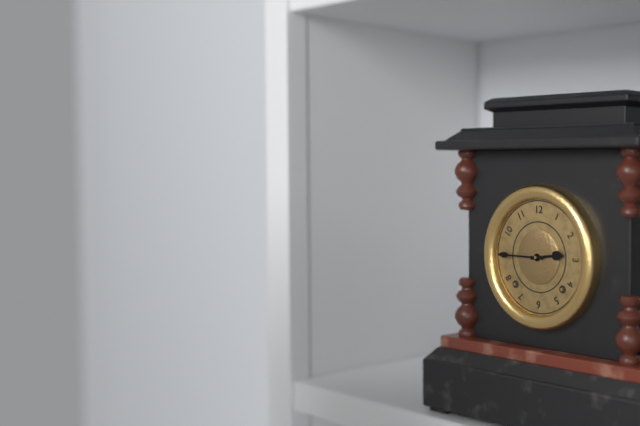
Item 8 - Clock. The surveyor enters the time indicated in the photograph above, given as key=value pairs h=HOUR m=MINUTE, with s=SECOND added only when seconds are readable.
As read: h=2 m=45
